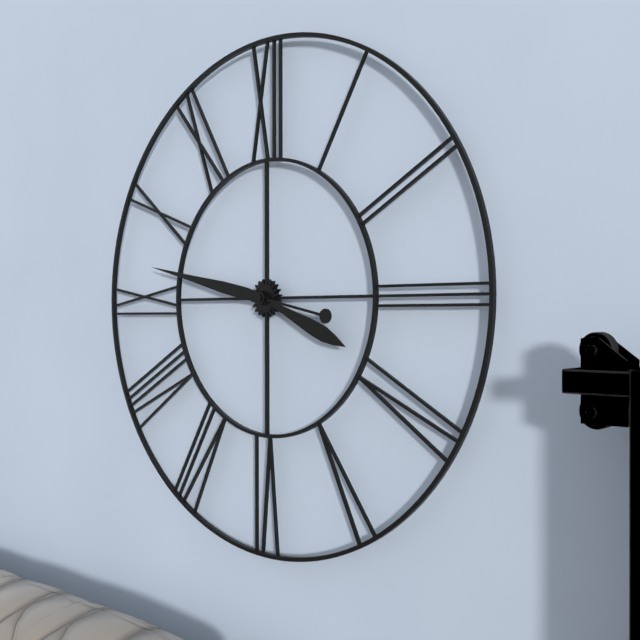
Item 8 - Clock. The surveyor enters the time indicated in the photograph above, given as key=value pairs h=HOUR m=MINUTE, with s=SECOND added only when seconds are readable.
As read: h=3 m=47
